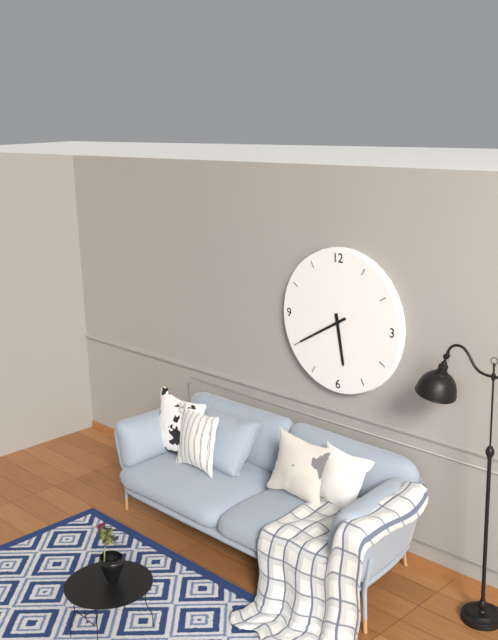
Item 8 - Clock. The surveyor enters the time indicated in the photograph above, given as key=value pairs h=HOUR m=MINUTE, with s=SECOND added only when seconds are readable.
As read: h=5 m=40
